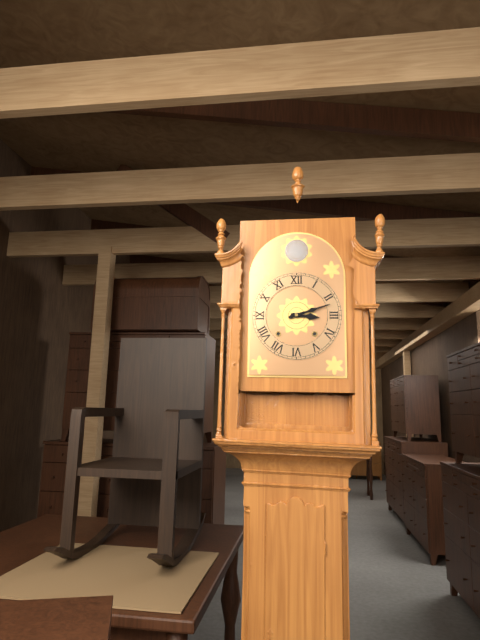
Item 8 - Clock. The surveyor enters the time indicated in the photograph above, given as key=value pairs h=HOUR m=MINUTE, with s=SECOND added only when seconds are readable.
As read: h=3 m=12
